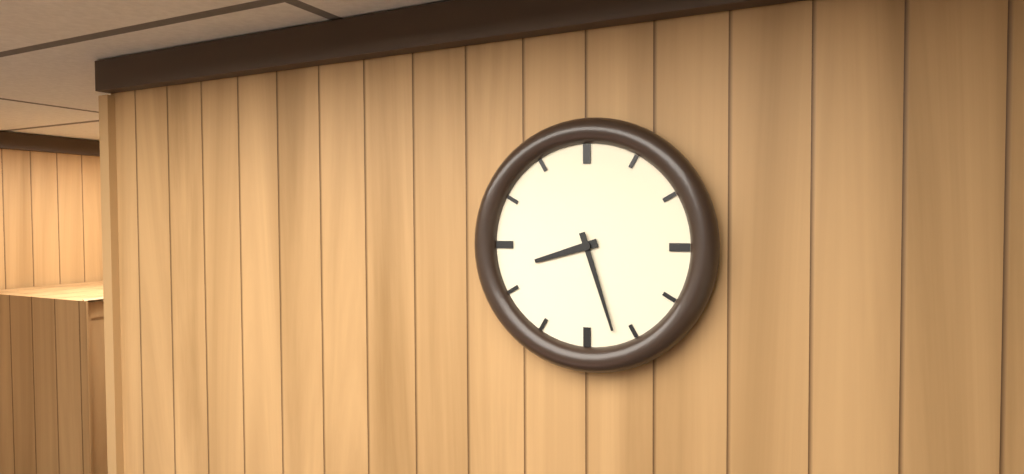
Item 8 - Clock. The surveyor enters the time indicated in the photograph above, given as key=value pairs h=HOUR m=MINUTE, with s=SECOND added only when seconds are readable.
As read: h=8 m=27
